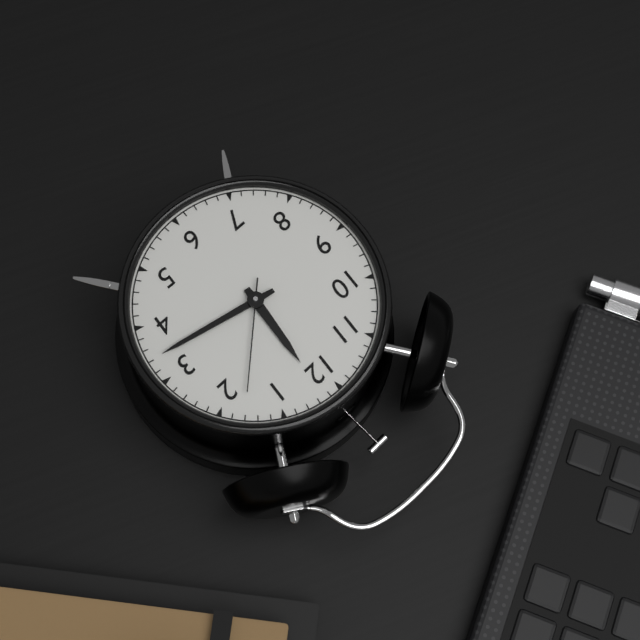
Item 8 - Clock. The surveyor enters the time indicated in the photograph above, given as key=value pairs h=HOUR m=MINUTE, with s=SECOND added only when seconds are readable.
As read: h=12 m=17 s=8
